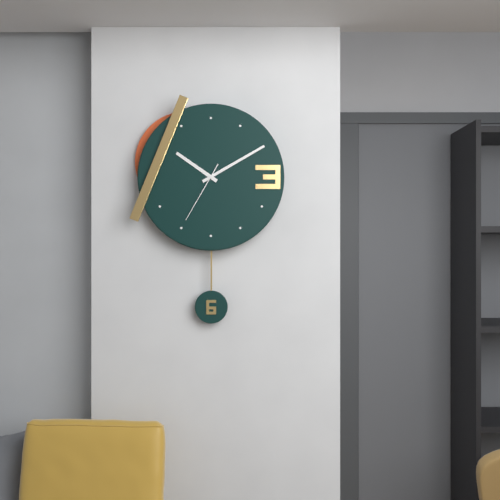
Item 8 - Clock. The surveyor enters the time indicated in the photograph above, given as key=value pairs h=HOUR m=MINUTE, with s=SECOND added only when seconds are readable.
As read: h=10 m=10 s=35
